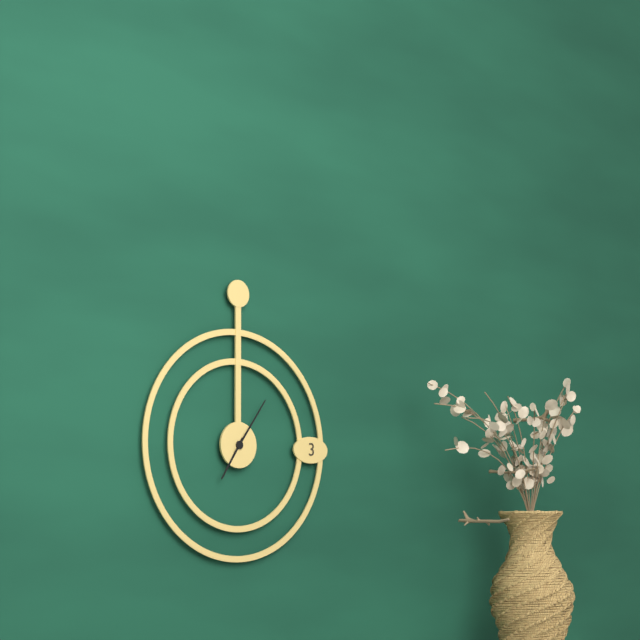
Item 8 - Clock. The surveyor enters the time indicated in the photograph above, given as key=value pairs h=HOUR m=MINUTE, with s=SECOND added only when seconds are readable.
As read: h=7 m=6
